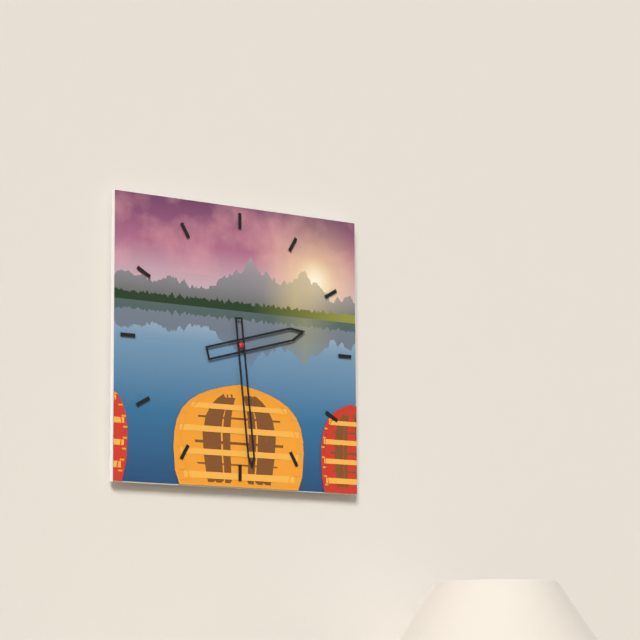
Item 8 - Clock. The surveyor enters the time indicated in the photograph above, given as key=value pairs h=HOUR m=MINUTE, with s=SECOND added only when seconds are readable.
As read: h=2 m=29
